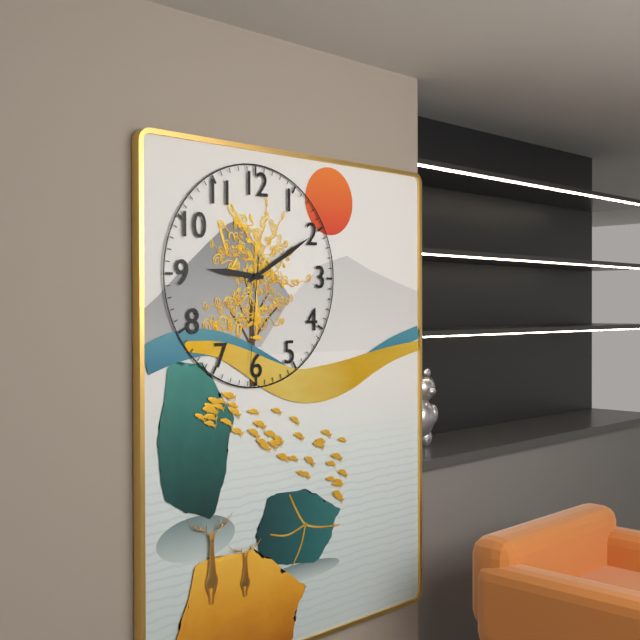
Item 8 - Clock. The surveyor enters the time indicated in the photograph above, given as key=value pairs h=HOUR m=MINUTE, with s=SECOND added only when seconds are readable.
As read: h=9 m=10 s=31
